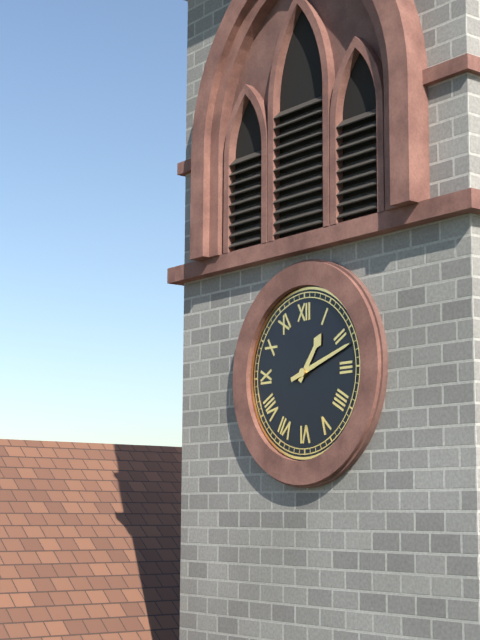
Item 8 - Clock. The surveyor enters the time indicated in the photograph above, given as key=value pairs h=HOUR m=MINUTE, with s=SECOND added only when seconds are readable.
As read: h=1 m=12
